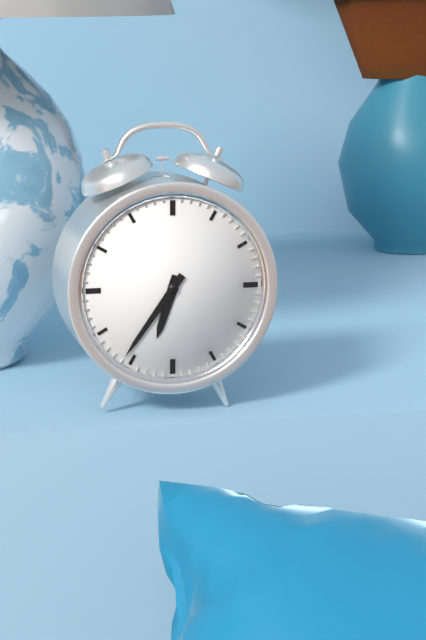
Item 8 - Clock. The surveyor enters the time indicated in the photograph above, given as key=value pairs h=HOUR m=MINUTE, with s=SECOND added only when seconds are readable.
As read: h=6 m=36
